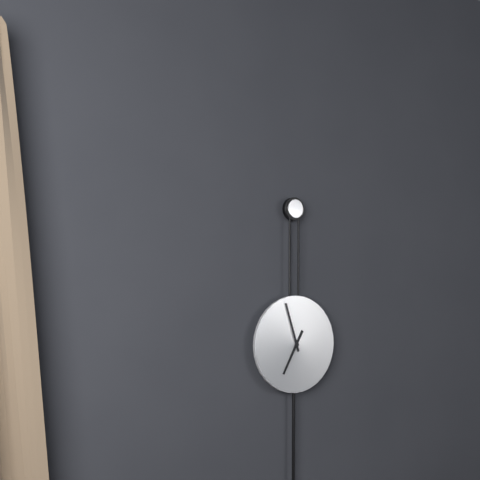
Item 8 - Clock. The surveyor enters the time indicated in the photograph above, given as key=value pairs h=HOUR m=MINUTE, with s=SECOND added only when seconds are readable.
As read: h=6 m=57
